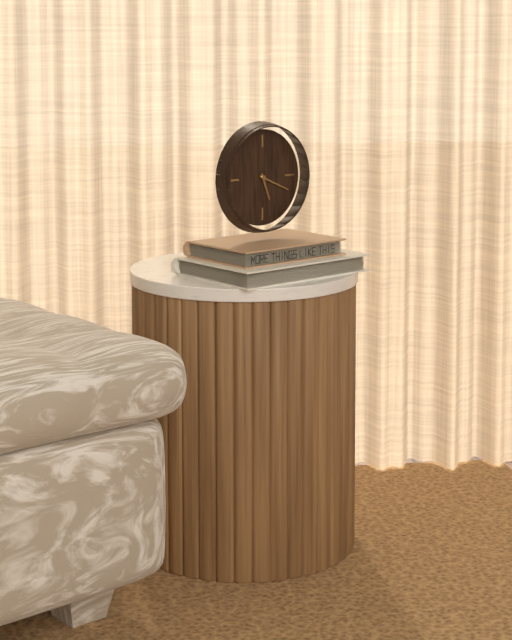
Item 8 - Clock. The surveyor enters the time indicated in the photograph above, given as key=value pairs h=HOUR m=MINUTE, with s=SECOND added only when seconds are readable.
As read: h=5 m=19
